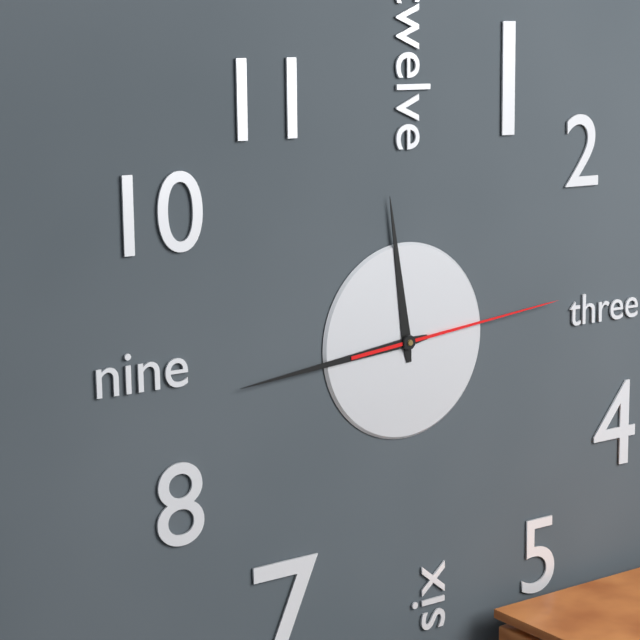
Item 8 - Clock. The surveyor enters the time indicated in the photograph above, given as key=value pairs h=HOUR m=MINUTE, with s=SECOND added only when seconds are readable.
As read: h=11 m=44 s=14
